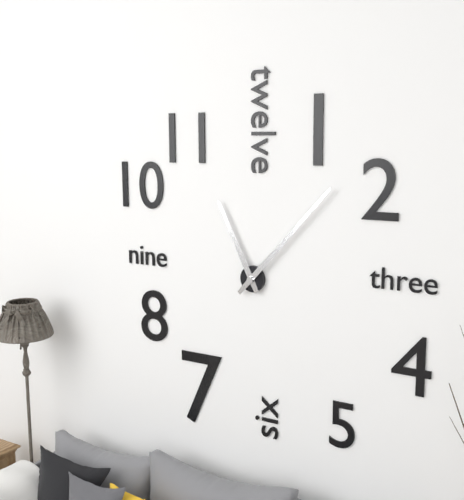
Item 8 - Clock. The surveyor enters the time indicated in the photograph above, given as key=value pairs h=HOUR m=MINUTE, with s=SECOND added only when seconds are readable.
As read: h=11 m=7
